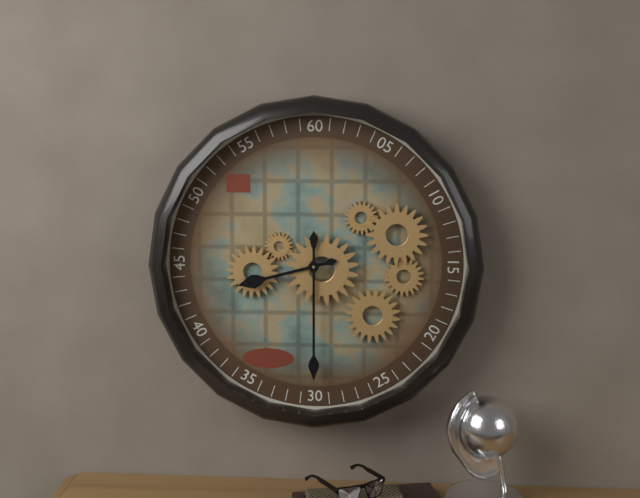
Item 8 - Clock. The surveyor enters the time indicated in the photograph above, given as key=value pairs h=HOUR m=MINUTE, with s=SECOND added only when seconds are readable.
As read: h=8 m=30
